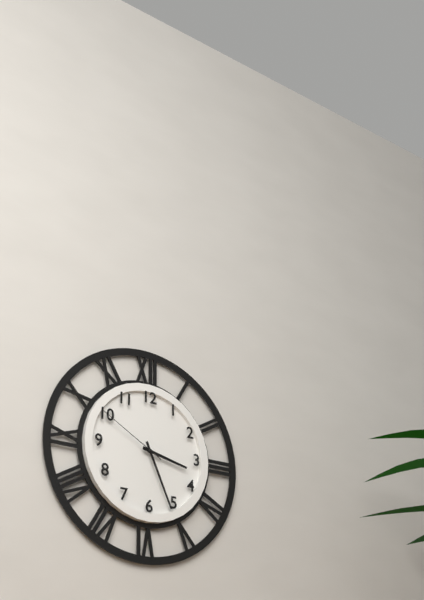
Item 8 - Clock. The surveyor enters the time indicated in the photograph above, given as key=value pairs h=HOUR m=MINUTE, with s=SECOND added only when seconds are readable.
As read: h=3 m=26 s=50
